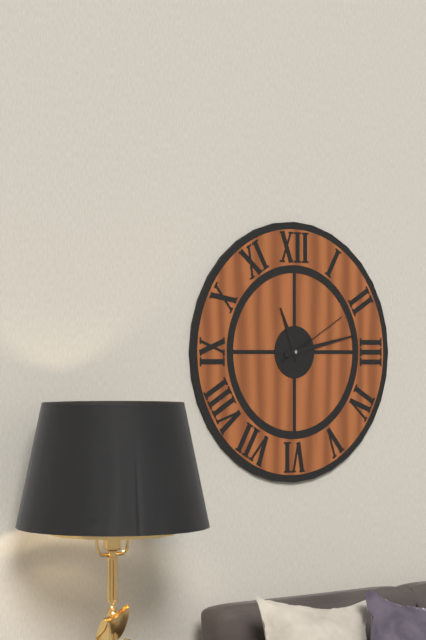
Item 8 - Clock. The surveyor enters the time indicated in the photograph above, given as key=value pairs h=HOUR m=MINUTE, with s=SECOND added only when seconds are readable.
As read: h=11 m=13 s=10
